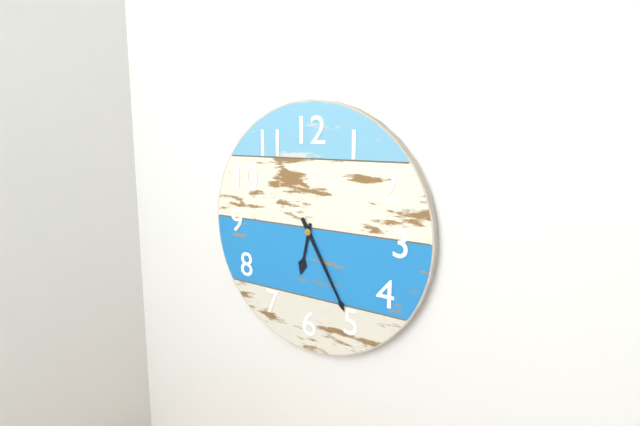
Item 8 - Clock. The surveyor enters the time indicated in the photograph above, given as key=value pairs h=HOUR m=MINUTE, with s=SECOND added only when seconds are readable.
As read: h=6 m=25
